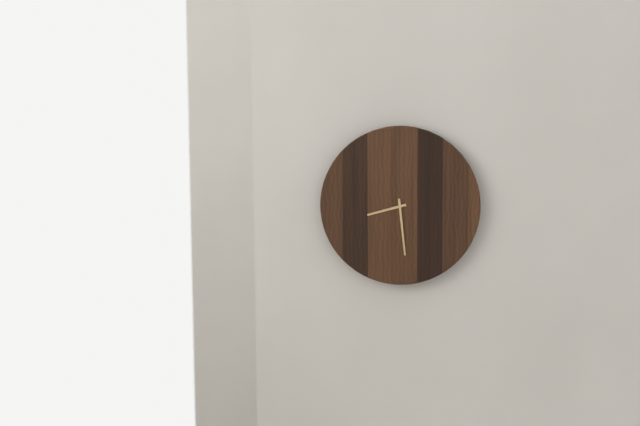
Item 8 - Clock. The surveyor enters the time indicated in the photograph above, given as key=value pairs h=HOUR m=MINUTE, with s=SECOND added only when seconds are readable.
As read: h=8 m=29
